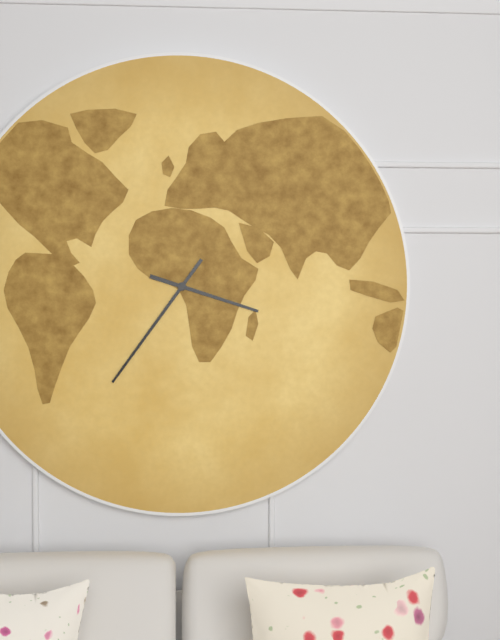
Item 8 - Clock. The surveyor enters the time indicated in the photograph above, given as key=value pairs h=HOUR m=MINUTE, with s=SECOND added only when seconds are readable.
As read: h=3 m=36
